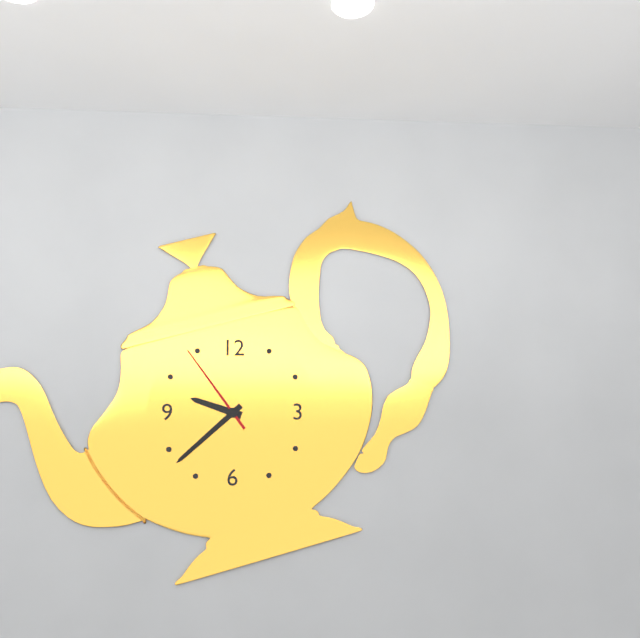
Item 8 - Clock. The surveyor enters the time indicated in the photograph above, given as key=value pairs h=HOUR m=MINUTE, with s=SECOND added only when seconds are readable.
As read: h=9 m=38 s=54
